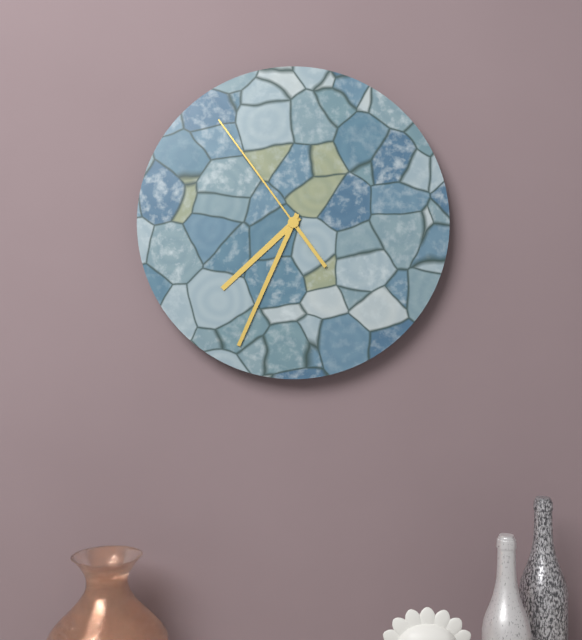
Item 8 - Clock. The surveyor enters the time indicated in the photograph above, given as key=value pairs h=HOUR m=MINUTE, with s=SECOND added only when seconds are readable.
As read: h=7 m=34 s=54
